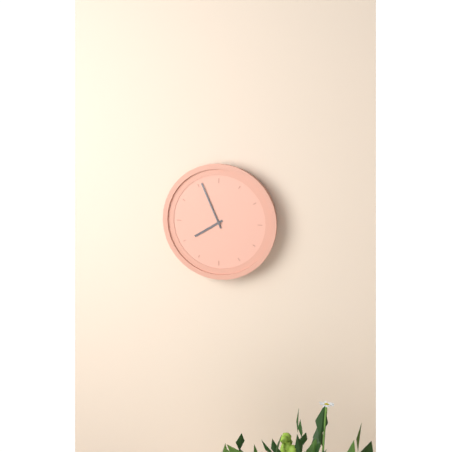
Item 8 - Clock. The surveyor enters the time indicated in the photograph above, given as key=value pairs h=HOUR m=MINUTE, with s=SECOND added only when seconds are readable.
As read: h=7 m=56
